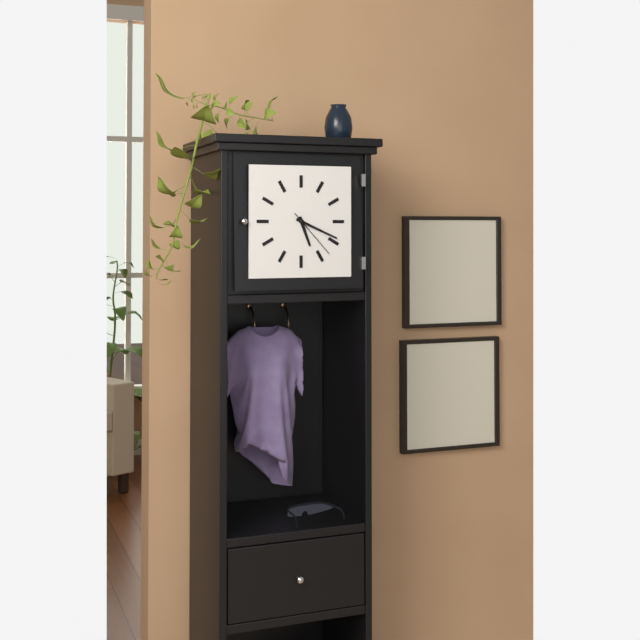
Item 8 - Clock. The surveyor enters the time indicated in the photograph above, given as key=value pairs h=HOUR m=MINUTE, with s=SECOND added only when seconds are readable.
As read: h=5 m=19 s=23
